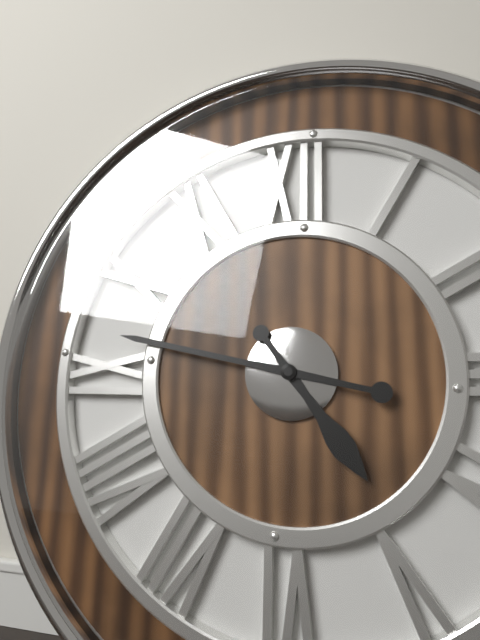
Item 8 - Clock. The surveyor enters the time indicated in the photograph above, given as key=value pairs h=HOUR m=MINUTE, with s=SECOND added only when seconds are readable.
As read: h=4 m=47
